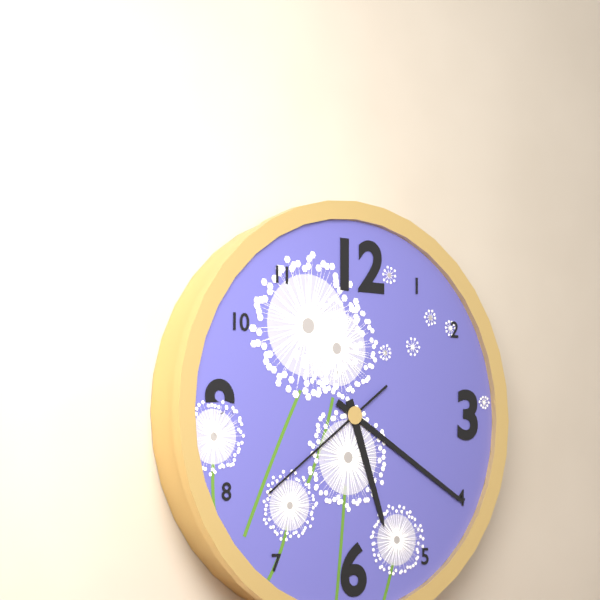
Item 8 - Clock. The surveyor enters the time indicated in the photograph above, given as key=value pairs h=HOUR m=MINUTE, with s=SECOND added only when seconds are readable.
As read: h=5 m=20 s=39
